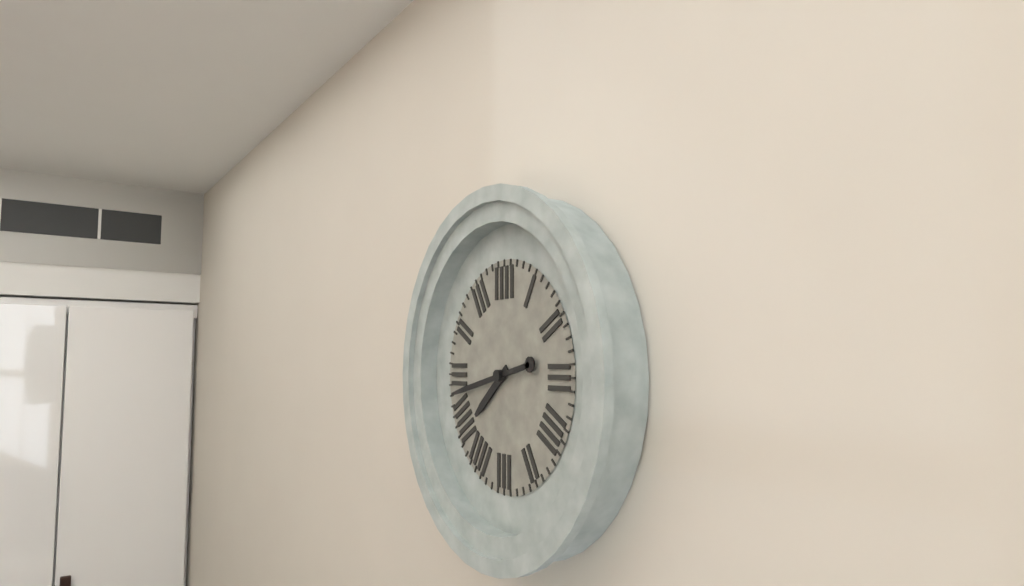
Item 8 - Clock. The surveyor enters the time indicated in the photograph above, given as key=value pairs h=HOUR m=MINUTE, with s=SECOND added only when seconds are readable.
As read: h=7 m=43
